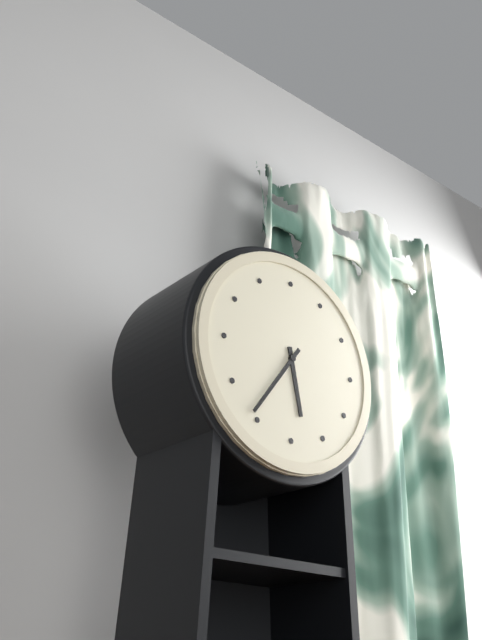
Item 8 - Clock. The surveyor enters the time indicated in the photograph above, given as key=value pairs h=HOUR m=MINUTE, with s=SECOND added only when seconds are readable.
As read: h=5 m=36
